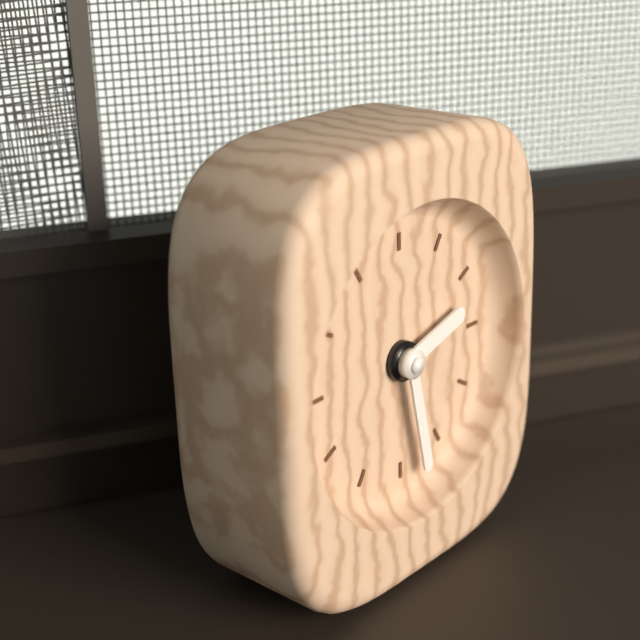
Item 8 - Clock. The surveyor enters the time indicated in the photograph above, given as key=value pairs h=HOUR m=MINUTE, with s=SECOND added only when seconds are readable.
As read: h=2 m=28
